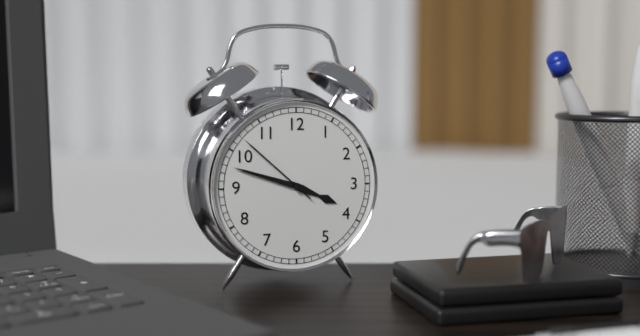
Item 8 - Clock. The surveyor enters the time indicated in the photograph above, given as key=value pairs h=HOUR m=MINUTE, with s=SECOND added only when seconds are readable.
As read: h=3 m=48 s=52
